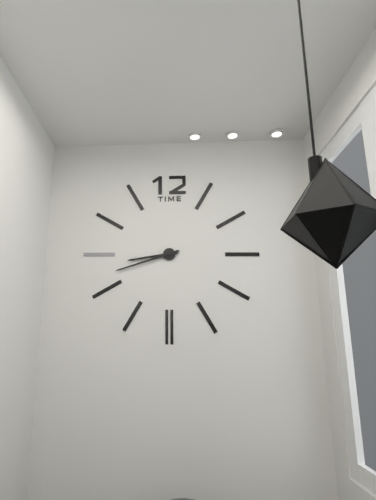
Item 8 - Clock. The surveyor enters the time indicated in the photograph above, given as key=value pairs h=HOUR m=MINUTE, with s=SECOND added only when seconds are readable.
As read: h=8 m=42
